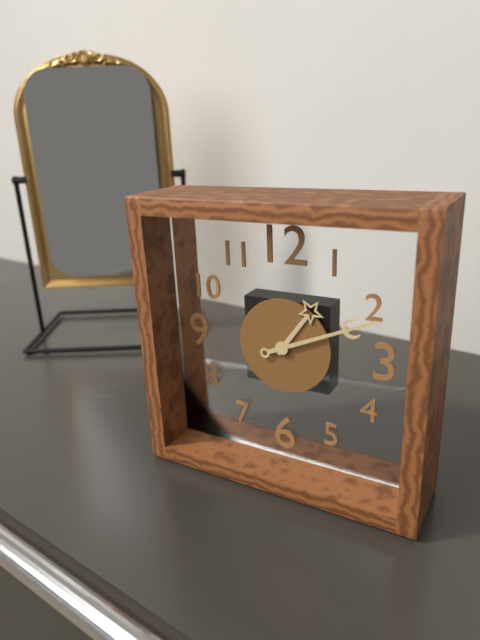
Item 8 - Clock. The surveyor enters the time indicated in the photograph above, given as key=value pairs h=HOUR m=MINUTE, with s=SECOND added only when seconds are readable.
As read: h=1 m=11
